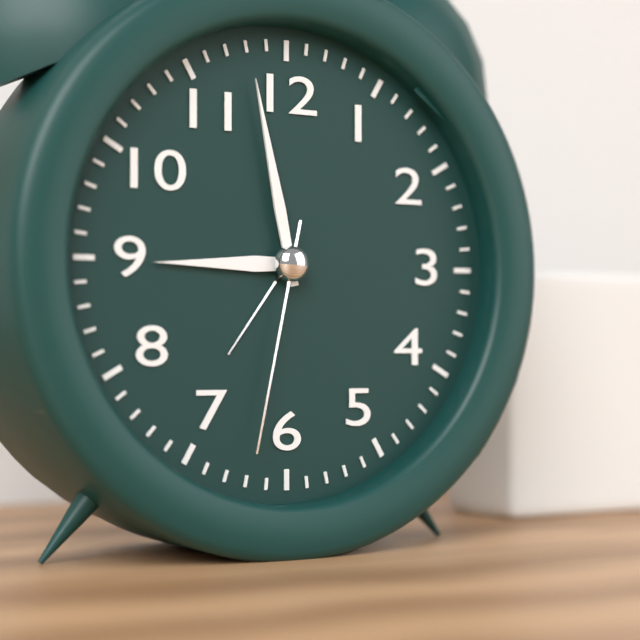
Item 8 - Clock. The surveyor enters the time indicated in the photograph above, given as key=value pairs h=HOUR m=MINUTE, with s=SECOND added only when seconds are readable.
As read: h=8 m=58 s=32
